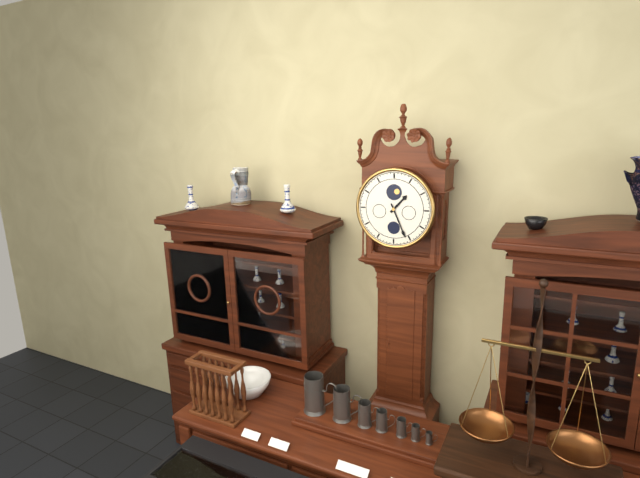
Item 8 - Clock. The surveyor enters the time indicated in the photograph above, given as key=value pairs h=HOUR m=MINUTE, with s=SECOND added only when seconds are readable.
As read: h=1 m=26
